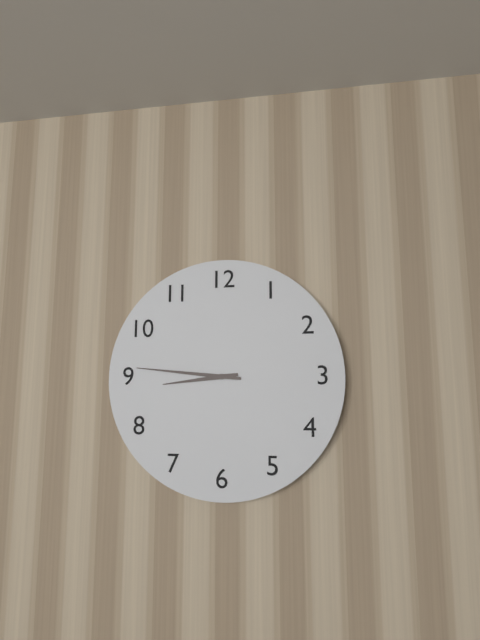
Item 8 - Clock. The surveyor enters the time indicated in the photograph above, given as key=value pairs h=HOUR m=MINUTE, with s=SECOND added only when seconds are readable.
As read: h=8 m=46
